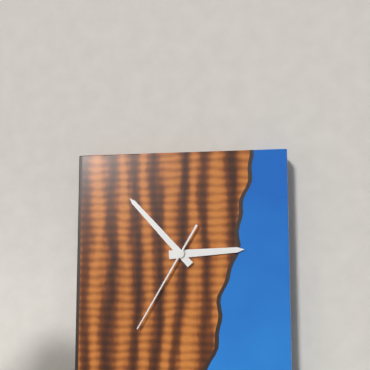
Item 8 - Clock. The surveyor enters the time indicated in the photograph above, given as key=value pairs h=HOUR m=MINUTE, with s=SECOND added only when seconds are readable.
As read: h=2 m=53 s=35
